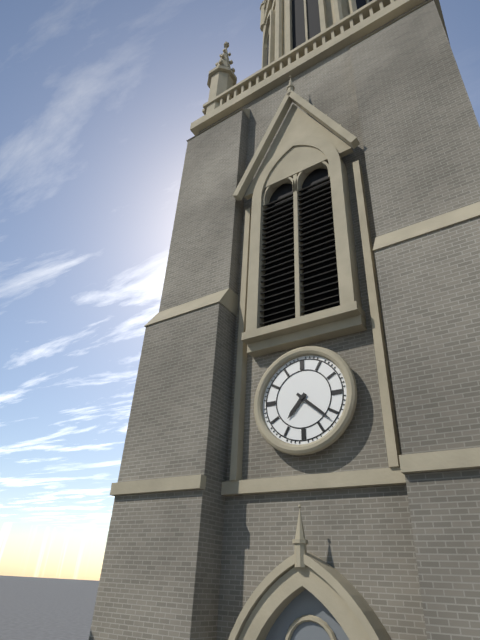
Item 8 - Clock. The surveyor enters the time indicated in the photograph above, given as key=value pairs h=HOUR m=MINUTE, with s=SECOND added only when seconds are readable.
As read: h=7 m=22
